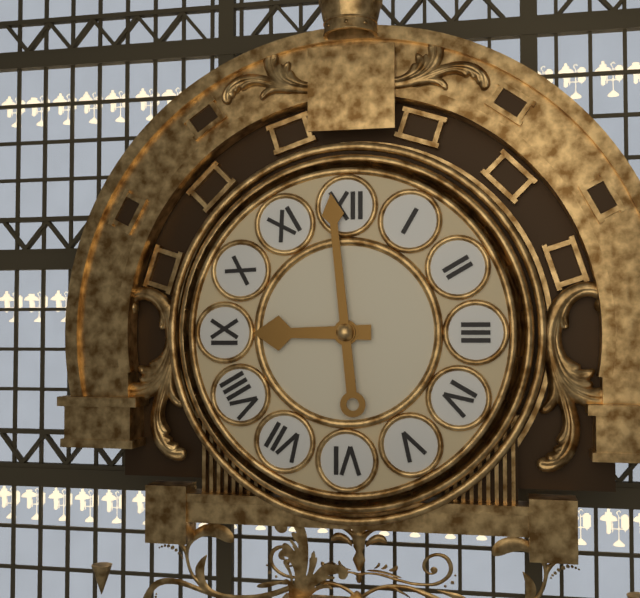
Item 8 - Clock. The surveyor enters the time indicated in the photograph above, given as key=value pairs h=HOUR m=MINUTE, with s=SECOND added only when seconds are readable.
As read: h=8 m=59
